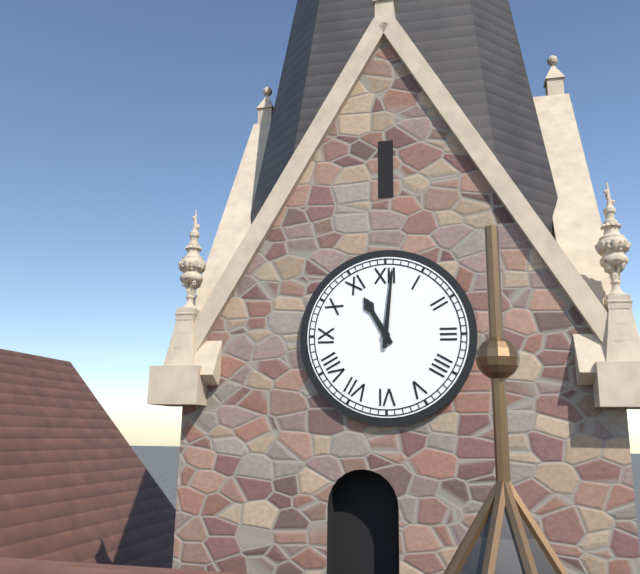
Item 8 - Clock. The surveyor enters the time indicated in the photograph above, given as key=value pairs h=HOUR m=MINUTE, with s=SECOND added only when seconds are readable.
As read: h=11 m=1
